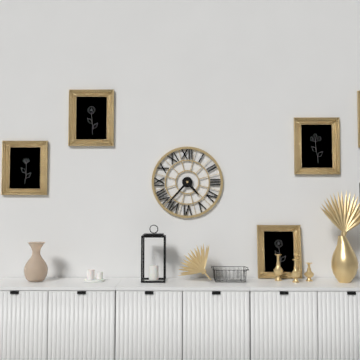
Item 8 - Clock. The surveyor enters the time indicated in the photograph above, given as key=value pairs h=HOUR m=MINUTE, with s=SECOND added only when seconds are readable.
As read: h=4 m=37
